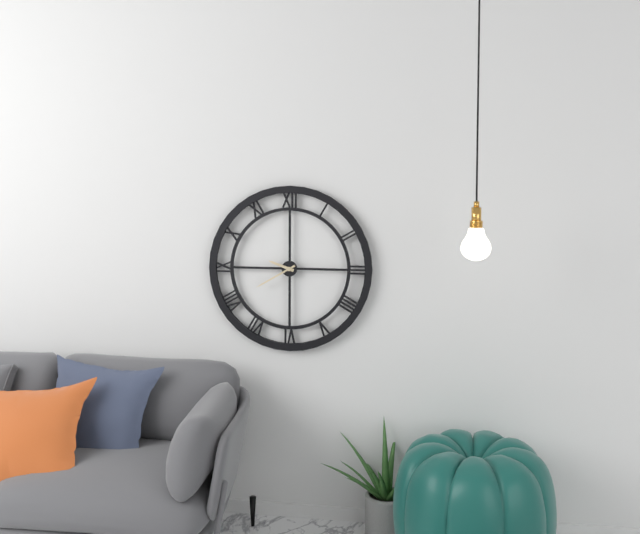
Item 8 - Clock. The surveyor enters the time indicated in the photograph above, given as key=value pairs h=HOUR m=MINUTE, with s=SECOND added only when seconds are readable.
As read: h=9 m=40
